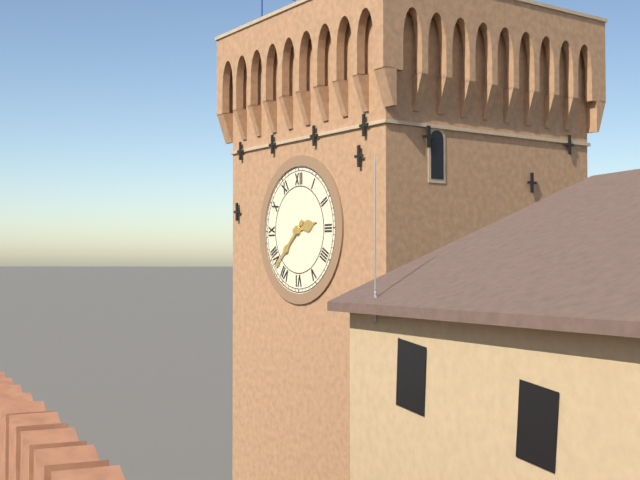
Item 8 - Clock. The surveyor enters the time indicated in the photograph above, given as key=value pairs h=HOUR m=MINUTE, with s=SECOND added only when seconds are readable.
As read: h=2 m=38
